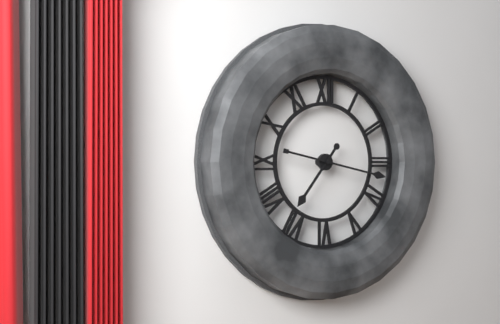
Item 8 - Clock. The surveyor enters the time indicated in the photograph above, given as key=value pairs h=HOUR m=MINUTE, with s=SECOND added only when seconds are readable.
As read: h=7 m=17
